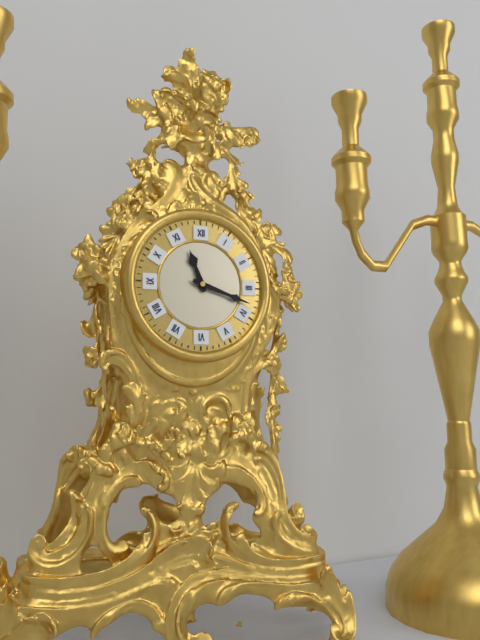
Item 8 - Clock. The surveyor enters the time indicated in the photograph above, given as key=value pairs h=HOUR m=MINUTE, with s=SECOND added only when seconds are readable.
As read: h=11 m=18
